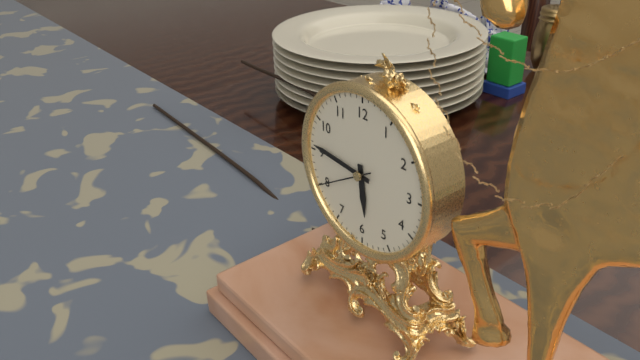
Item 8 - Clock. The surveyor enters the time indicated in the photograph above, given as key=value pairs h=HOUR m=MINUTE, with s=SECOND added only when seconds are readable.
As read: h=5 m=46 s=40
